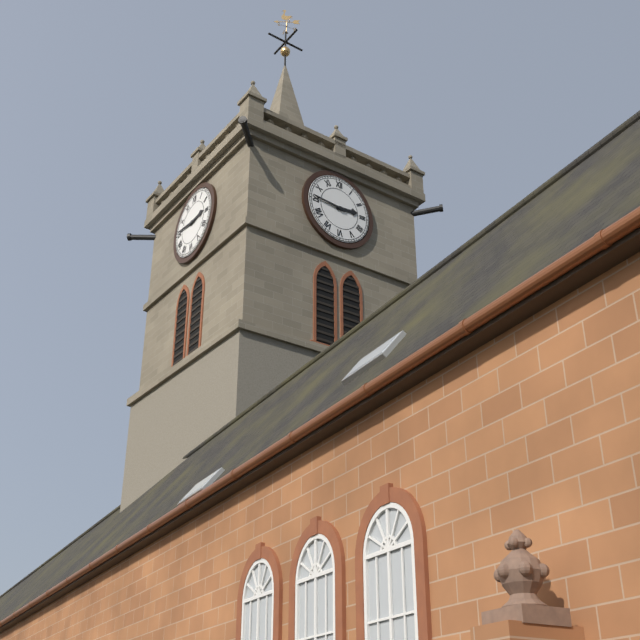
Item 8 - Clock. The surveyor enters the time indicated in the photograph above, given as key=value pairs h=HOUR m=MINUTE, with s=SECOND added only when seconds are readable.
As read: h=2 m=46
